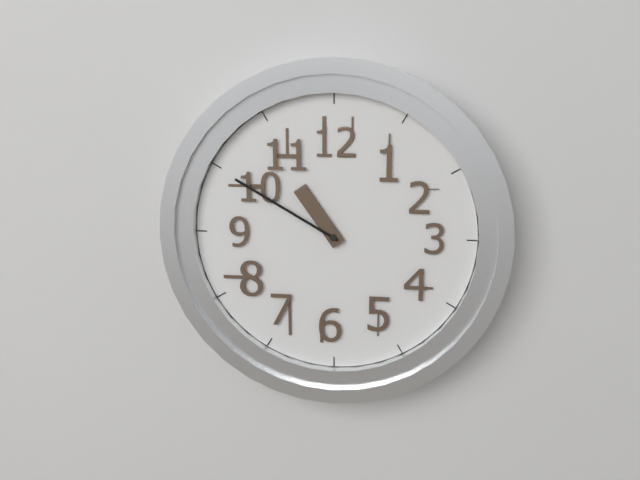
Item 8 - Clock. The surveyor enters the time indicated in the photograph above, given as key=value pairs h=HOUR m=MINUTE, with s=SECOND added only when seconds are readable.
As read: h=10 m=50
